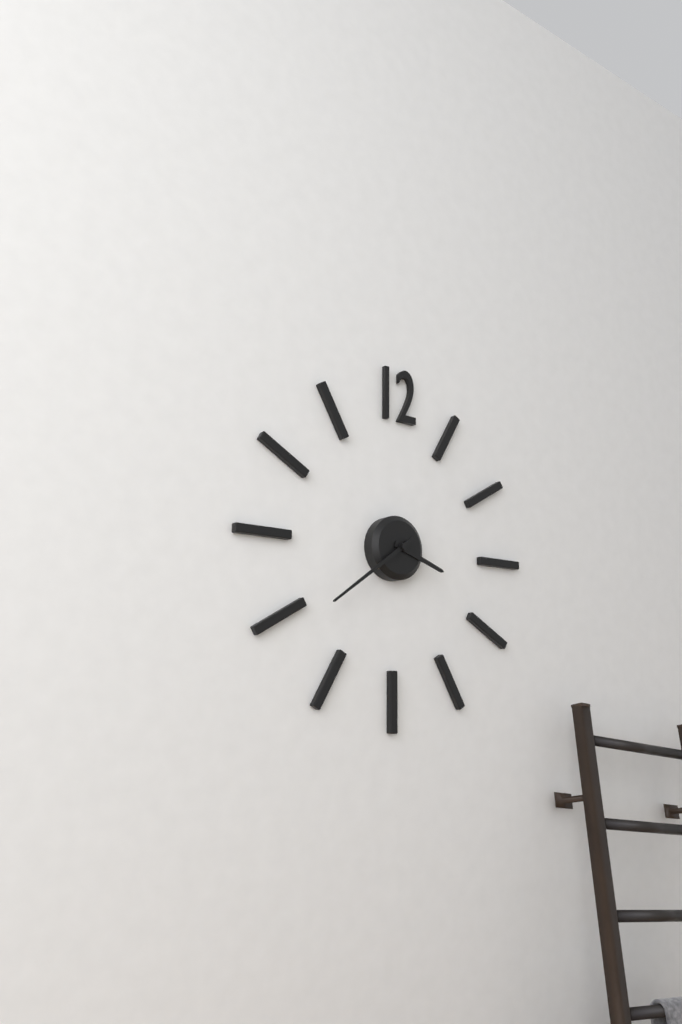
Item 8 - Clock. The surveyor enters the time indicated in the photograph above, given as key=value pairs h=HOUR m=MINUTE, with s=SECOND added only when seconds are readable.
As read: h=3 m=39
